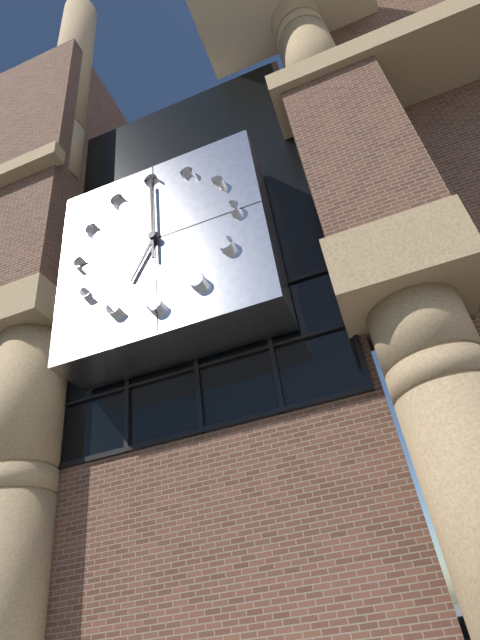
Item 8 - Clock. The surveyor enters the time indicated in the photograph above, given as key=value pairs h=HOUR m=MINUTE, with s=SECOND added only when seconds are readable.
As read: h=7 m=0
